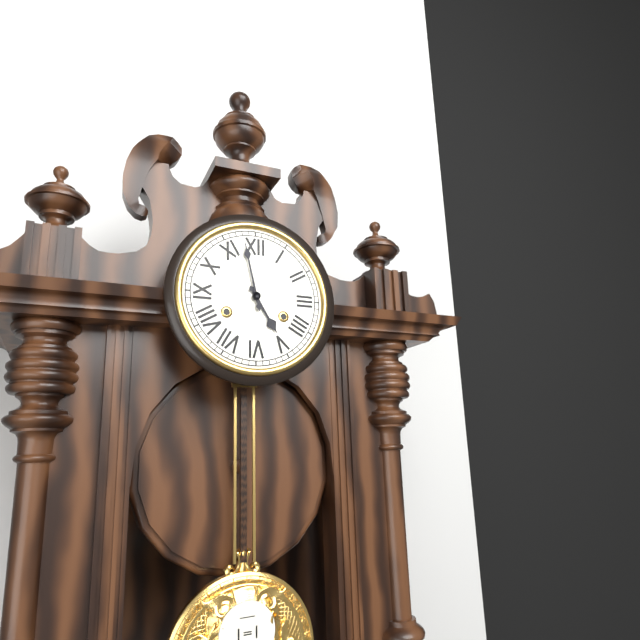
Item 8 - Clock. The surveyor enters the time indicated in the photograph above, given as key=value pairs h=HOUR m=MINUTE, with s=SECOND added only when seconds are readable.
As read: h=4 m=58
